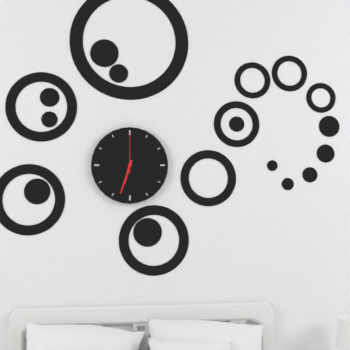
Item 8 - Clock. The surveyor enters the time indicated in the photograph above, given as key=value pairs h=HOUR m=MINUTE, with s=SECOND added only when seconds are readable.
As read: h=6 m=33
